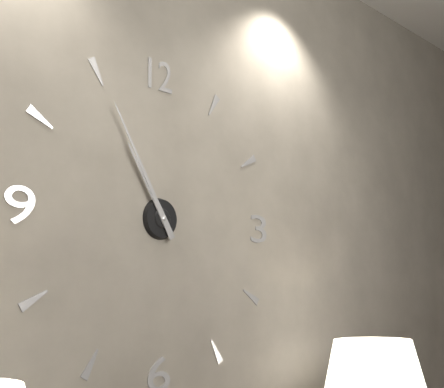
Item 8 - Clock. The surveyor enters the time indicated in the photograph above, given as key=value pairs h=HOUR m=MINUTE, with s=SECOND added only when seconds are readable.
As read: h=10 m=55
